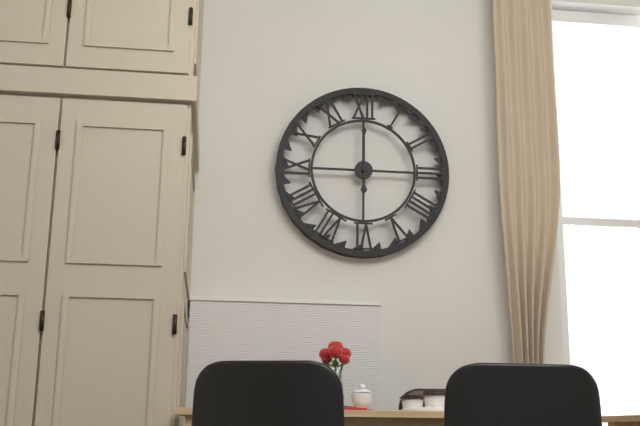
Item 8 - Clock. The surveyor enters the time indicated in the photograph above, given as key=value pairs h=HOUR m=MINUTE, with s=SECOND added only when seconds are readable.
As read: h=6 m=0
